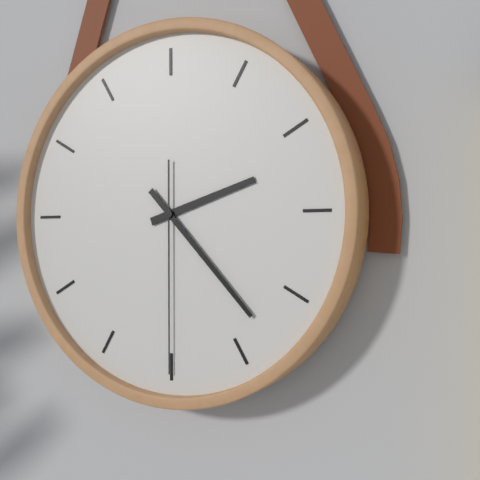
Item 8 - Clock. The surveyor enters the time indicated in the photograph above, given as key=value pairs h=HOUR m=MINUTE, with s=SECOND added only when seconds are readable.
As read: h=2 m=23 s=30
